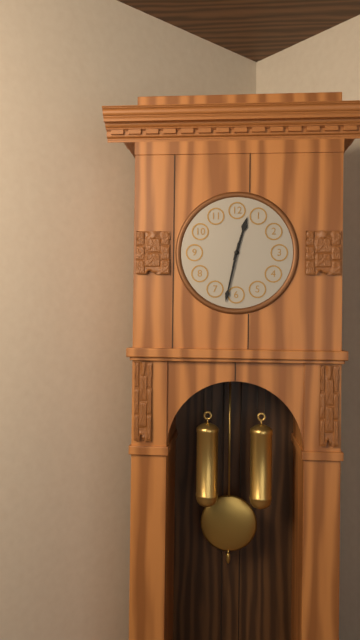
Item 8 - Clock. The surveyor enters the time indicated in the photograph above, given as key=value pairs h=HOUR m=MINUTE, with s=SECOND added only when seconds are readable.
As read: h=12 m=32
